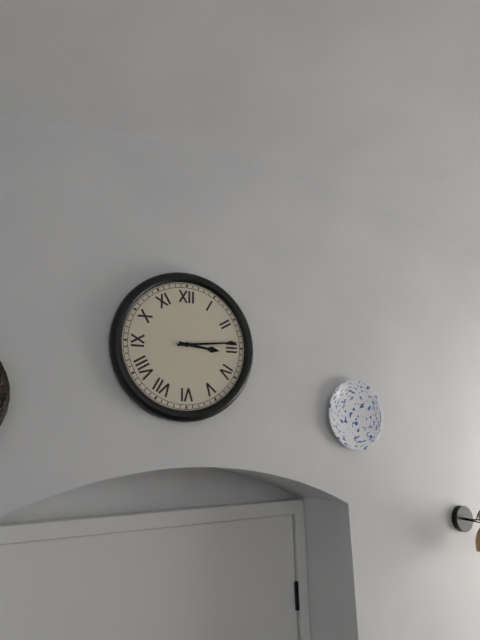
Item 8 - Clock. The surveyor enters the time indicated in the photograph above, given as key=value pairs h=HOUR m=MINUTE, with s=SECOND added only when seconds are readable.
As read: h=3 m=14
